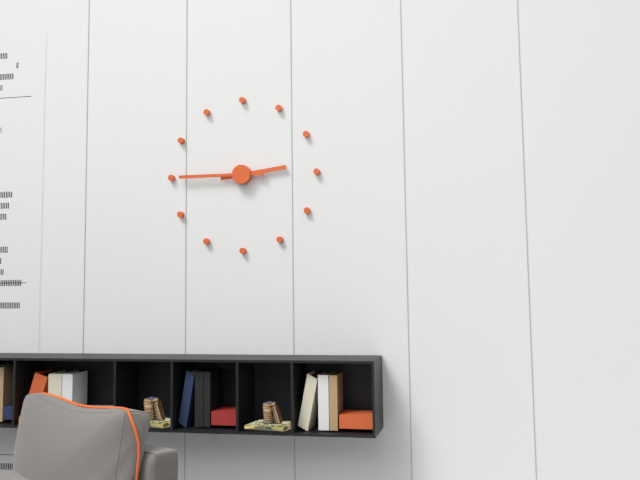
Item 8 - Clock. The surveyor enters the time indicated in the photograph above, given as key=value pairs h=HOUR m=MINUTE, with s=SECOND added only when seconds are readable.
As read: h=2 m=45
